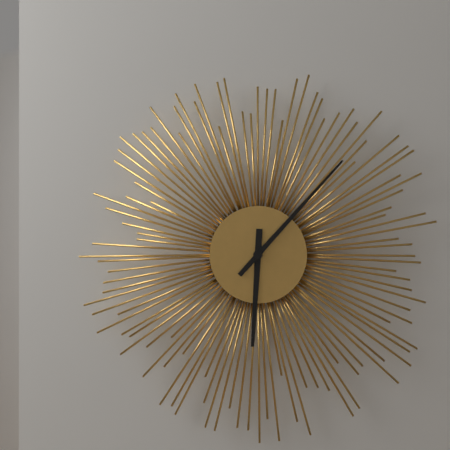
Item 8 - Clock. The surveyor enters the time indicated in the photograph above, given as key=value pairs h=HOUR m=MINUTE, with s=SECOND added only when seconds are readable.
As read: h=6 m=7
